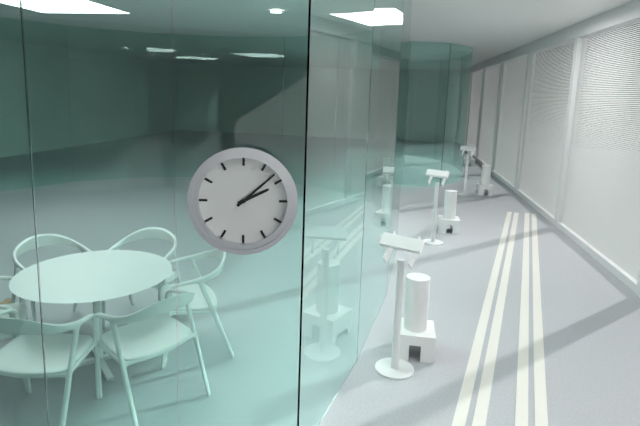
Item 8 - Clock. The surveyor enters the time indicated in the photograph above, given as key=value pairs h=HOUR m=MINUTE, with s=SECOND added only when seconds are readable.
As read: h=2 m=8
